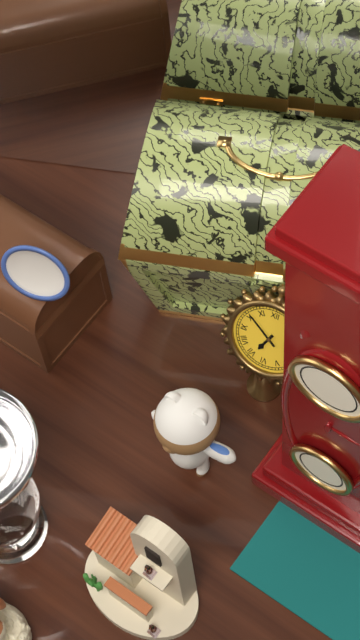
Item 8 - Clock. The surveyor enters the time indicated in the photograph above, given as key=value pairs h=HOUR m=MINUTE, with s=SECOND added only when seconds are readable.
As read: h=6 m=51
